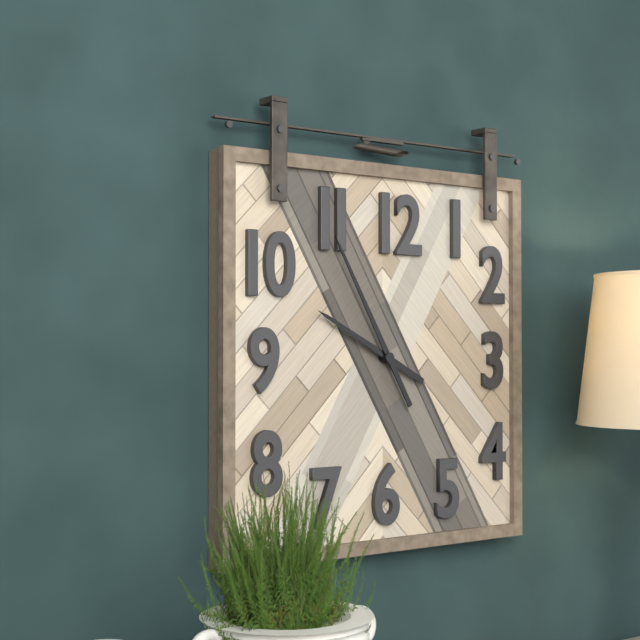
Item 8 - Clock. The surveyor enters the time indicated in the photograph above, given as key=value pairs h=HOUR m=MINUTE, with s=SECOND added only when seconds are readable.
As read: h=9 m=55
